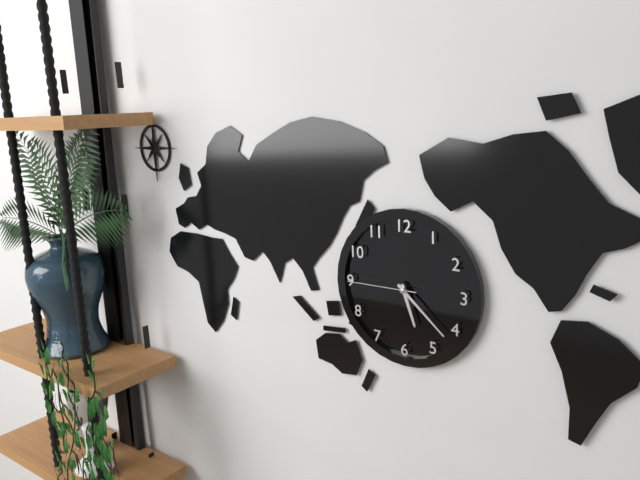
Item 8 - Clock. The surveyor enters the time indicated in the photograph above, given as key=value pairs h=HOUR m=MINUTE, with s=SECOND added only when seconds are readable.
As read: h=5 m=22 s=45
